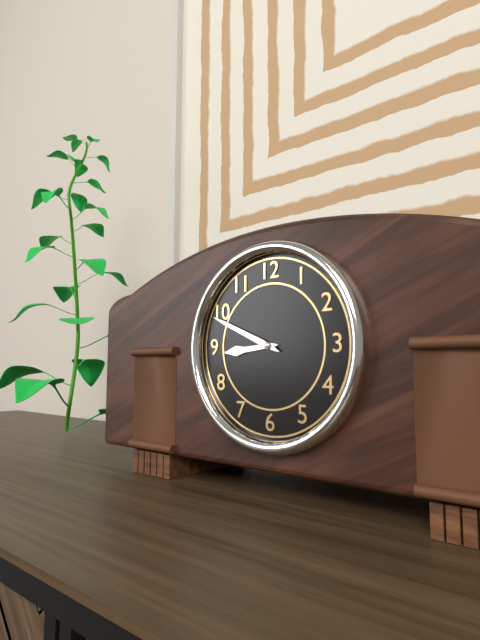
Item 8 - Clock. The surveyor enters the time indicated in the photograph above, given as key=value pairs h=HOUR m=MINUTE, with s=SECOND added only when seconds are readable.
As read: h=8 m=49
